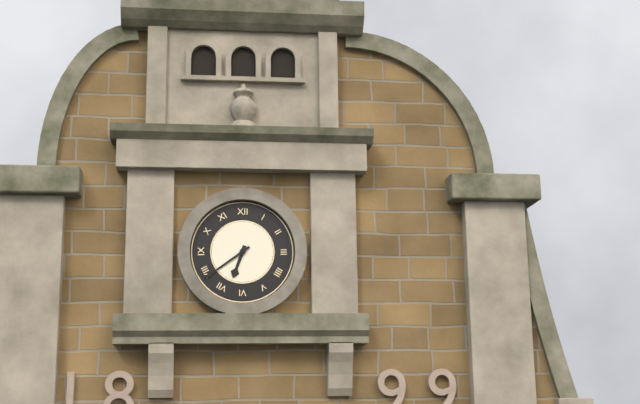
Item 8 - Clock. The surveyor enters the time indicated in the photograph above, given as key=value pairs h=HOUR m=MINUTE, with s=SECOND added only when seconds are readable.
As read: h=6 m=39
